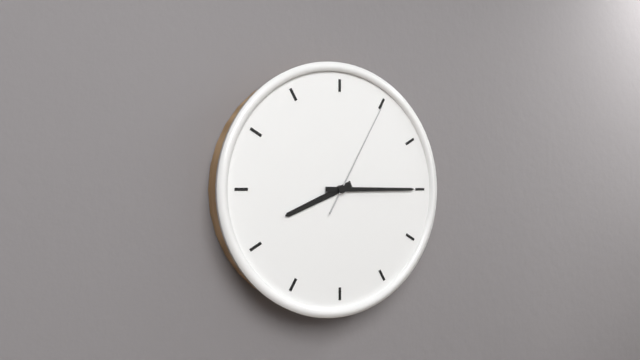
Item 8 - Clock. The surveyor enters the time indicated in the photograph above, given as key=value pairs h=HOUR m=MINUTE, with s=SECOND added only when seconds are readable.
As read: h=8 m=15 s=5
